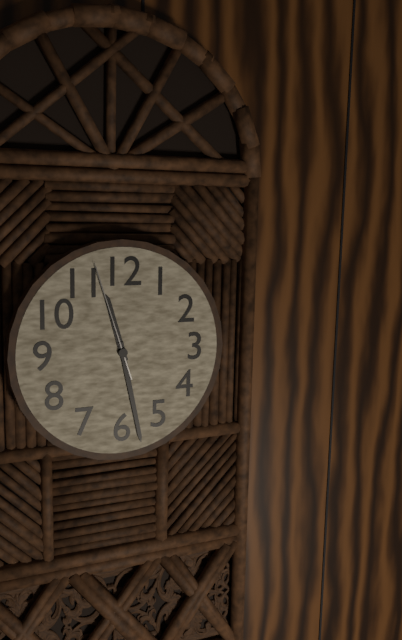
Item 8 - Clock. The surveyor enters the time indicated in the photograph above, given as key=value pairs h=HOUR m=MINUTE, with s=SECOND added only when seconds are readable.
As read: h=11 m=28 s=57
